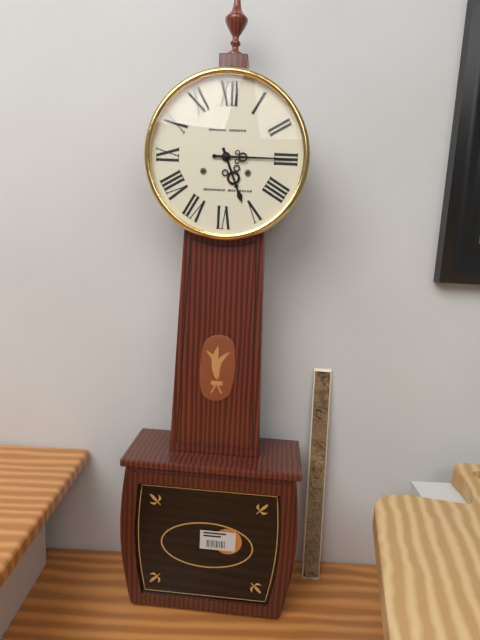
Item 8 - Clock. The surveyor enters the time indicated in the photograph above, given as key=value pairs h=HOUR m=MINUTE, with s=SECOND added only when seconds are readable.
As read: h=5 m=15
